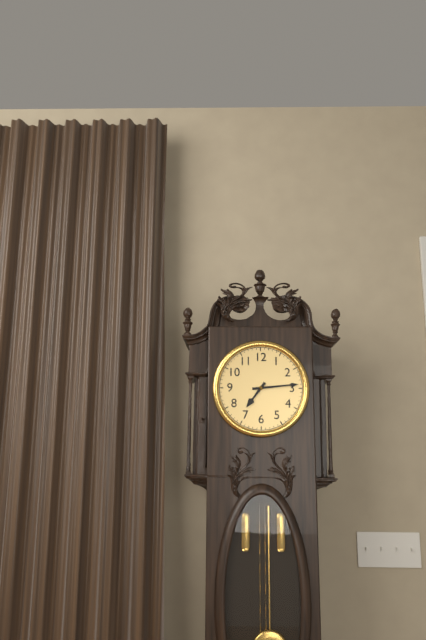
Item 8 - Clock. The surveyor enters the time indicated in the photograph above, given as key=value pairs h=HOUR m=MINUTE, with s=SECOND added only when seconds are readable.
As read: h=7 m=14
